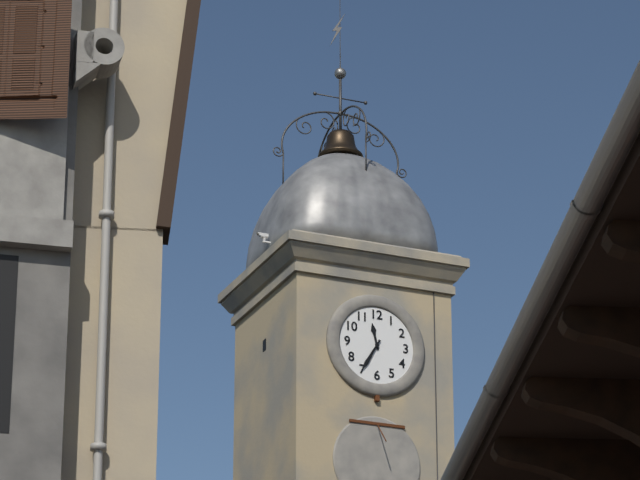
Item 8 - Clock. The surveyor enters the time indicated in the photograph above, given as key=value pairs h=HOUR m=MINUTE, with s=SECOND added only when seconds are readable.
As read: h=11 m=35
